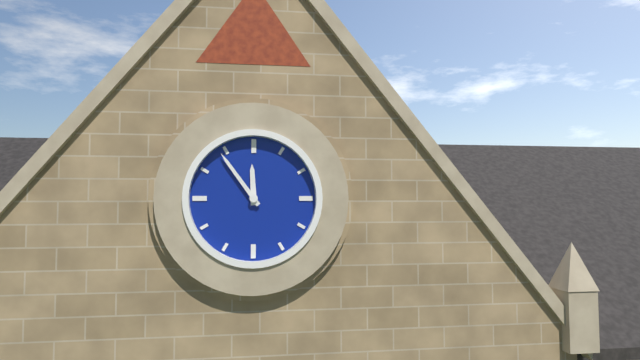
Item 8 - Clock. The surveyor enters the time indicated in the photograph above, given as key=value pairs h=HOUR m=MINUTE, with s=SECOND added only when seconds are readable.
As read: h=11 m=54
